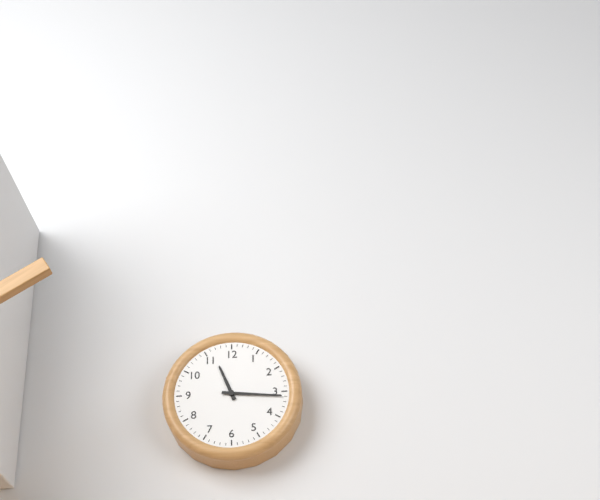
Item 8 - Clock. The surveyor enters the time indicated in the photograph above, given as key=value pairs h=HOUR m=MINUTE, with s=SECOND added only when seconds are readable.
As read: h=11 m=16
